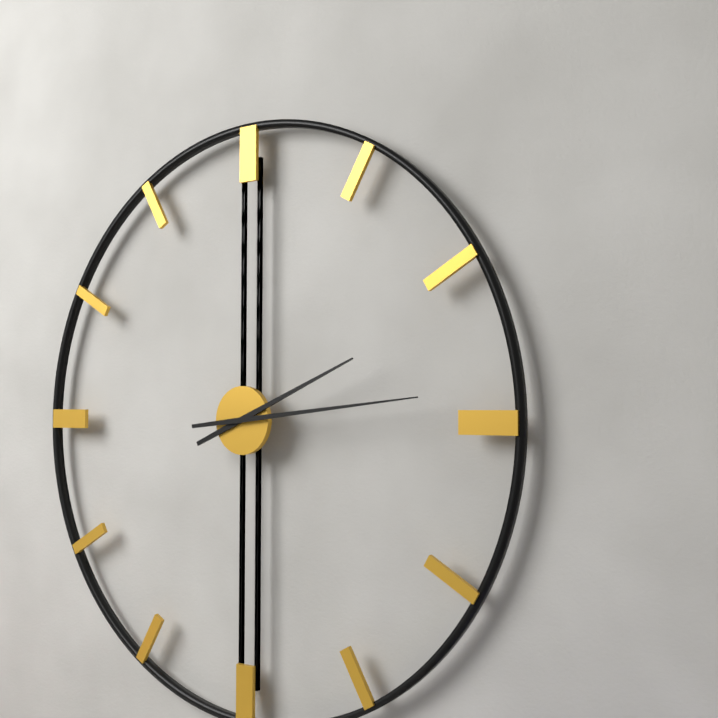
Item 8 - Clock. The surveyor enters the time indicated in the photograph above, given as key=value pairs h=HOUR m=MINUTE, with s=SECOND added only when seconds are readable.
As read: h=2 m=14
